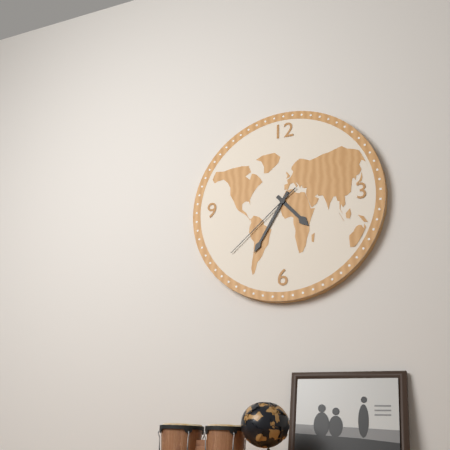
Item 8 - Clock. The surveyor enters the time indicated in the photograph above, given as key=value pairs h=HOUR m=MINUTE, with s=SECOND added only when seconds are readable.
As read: h=4 m=35 s=38
